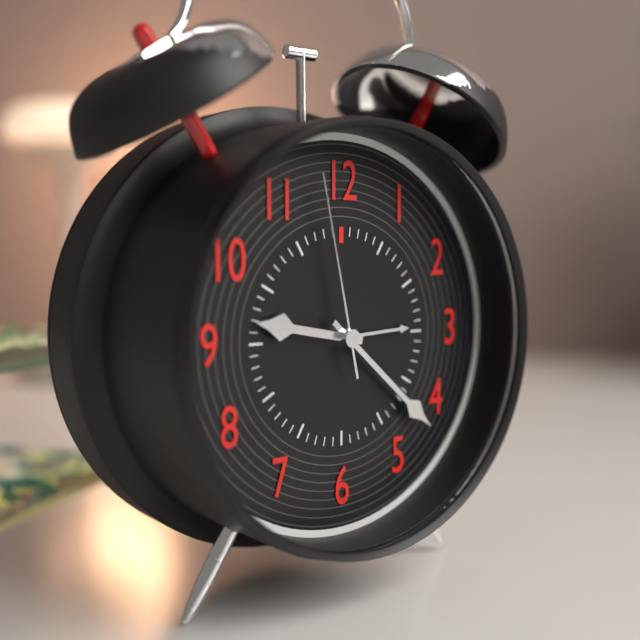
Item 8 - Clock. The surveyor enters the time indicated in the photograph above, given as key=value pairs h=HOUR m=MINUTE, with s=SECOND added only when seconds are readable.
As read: h=9 m=22 s=58
